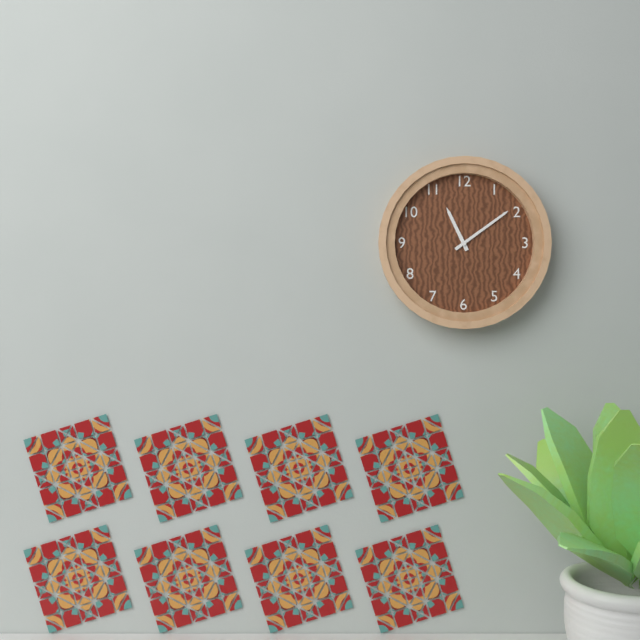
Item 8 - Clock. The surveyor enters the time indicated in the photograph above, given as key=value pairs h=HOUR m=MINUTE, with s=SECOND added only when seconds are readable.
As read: h=11 m=9
